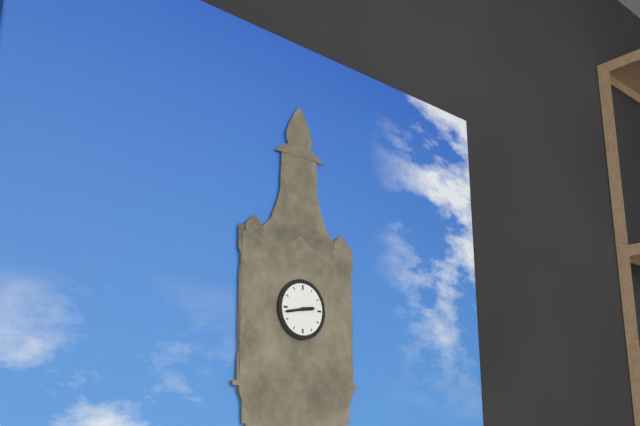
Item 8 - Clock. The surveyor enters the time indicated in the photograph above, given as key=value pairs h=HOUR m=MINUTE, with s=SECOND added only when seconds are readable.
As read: h=2 m=43
